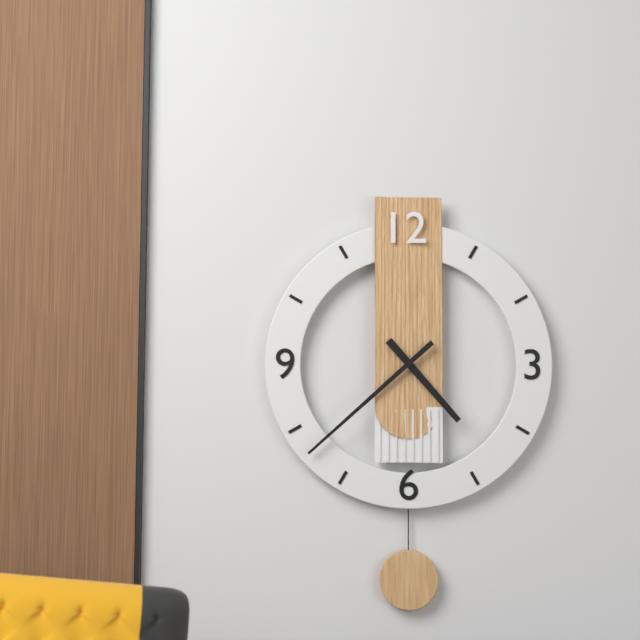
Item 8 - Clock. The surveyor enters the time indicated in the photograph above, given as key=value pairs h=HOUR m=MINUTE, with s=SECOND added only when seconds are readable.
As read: h=4 m=38
